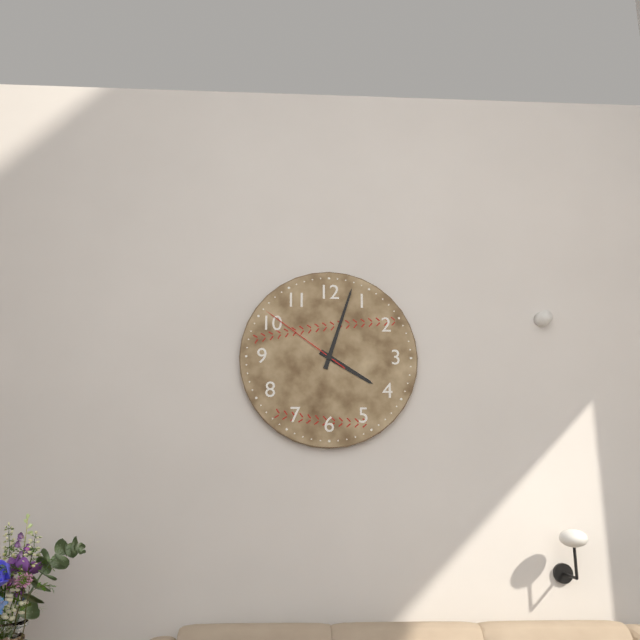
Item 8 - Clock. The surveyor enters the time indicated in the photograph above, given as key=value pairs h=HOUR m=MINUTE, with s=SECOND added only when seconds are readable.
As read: h=4 m=3 s=51
